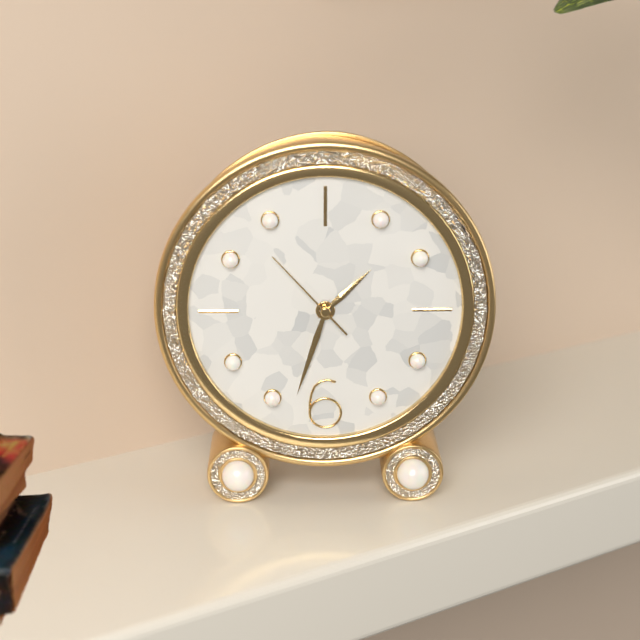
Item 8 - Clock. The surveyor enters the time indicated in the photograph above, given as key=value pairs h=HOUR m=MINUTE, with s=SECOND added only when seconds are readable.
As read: h=1 m=33 s=53
